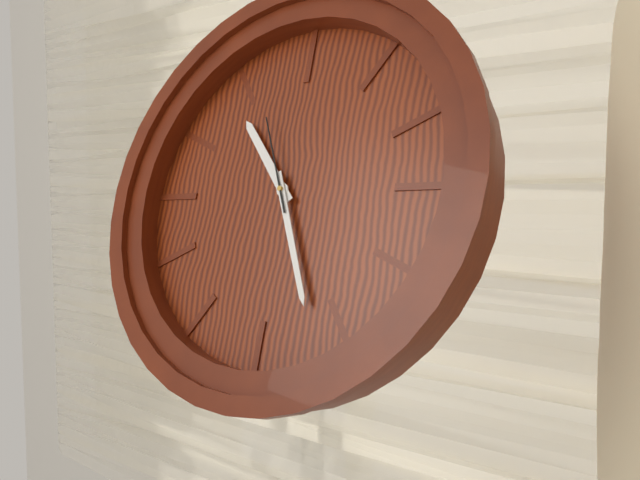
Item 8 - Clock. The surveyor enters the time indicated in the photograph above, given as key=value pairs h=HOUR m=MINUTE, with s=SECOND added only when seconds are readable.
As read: h=1 m=41 s=11
